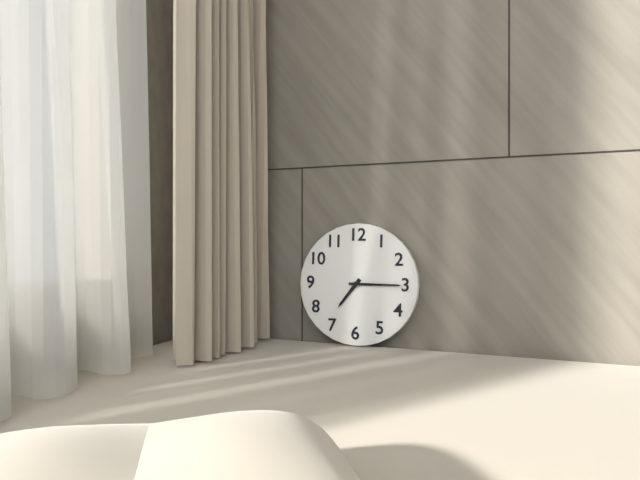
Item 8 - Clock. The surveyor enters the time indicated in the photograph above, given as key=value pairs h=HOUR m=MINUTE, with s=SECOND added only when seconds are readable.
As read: h=7 m=15
